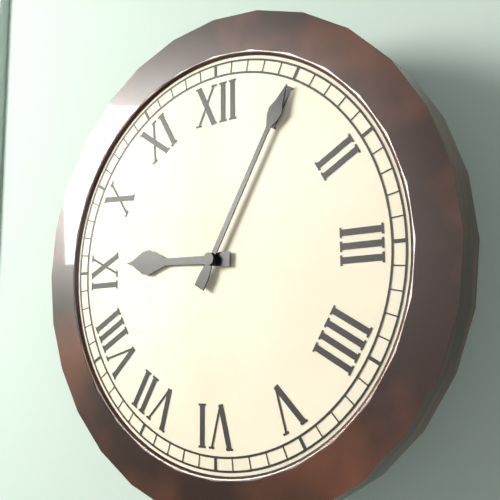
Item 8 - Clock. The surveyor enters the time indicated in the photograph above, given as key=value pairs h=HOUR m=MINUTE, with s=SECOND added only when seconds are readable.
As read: h=9 m=5
